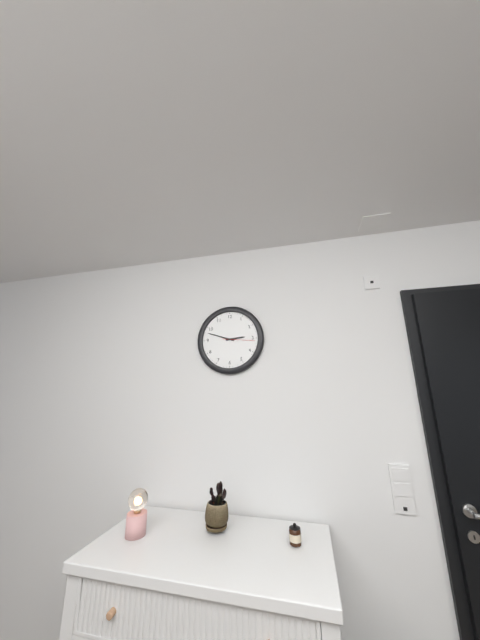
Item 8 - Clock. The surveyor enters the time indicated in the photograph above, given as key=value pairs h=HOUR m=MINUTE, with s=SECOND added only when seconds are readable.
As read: h=2 m=48
